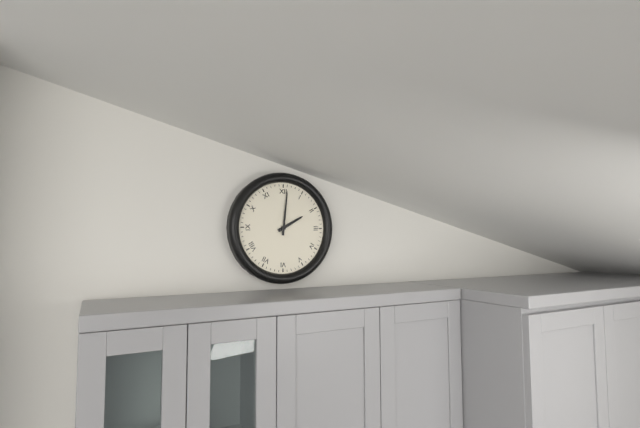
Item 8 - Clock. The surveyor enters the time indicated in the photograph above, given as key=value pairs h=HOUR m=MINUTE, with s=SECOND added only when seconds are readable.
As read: h=2 m=1
